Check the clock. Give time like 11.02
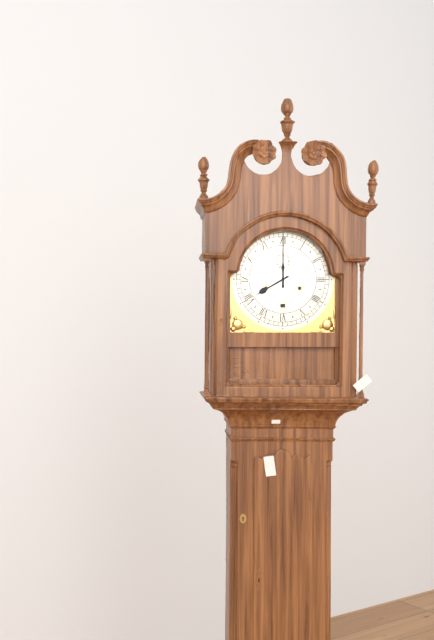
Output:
8.00
